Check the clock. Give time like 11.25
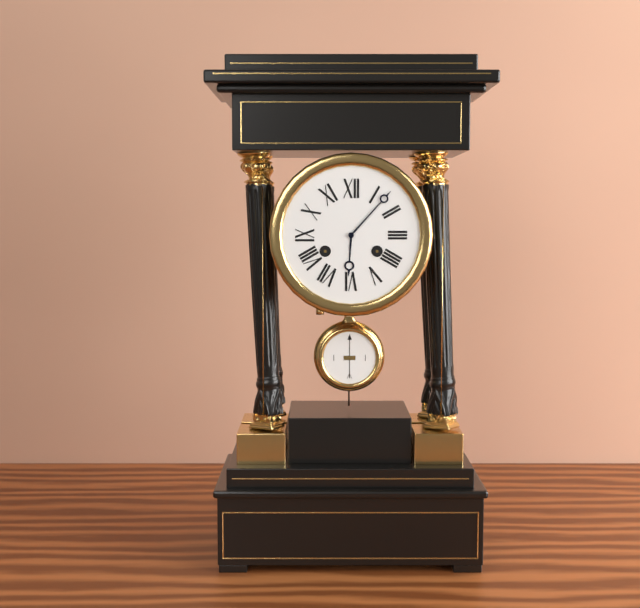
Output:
6.07
